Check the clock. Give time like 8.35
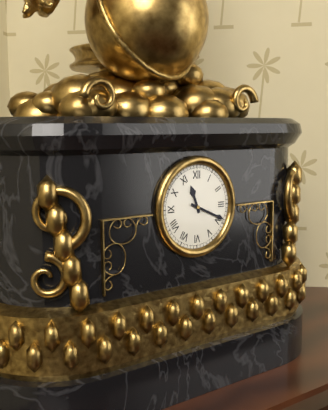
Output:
11.19
